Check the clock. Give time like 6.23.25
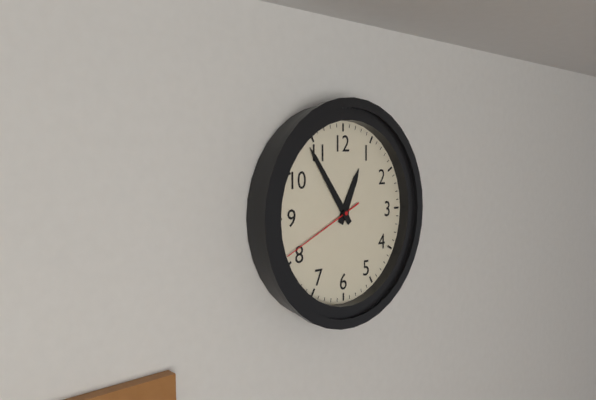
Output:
12.54.41
